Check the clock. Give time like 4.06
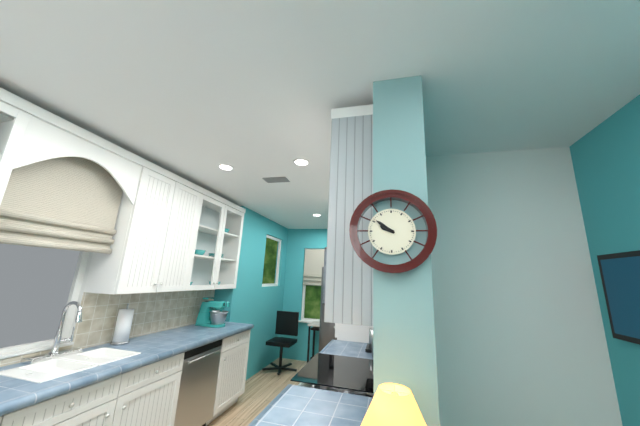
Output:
9.51
